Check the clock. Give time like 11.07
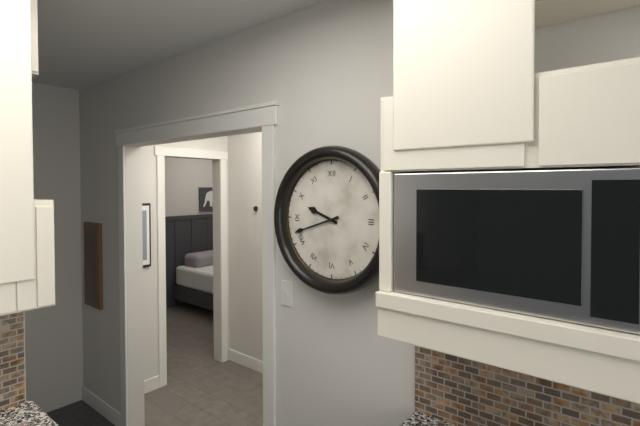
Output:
9.42
